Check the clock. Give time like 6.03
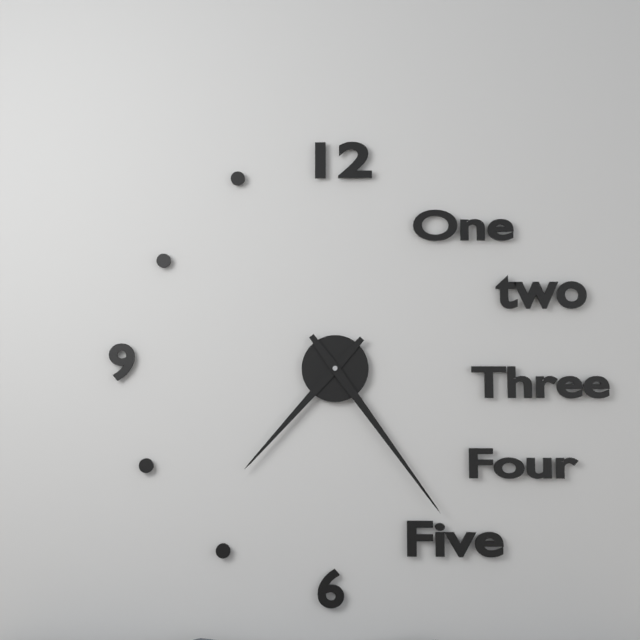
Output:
7.24
